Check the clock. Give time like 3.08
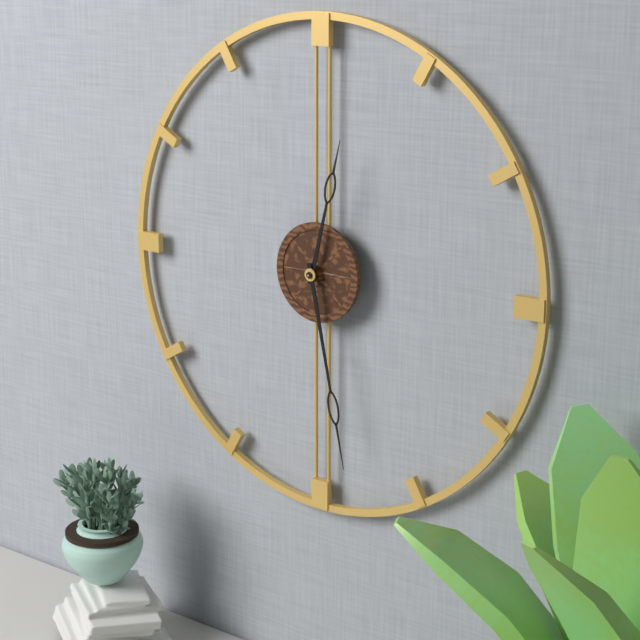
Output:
12.28
